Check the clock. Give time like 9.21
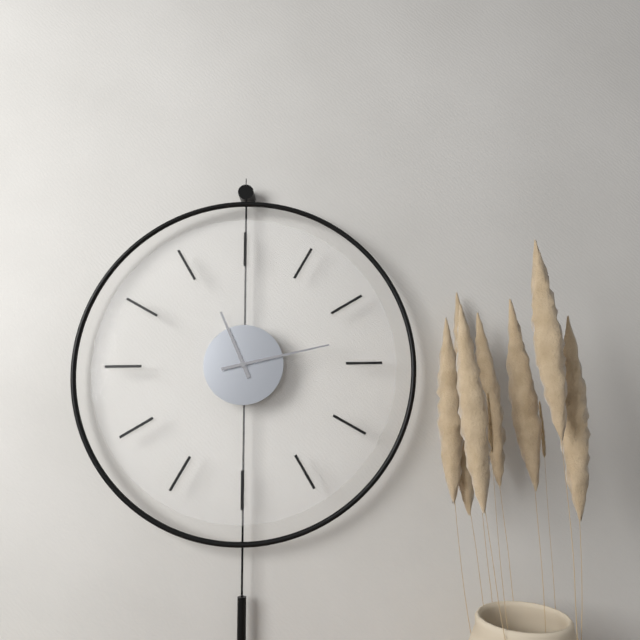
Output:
11.13
